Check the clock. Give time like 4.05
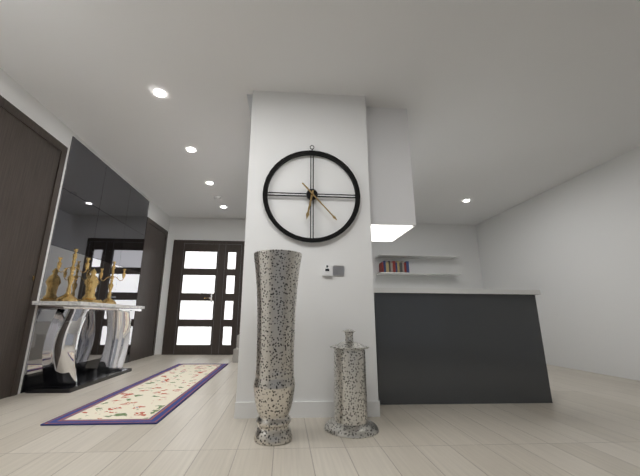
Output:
6.23
